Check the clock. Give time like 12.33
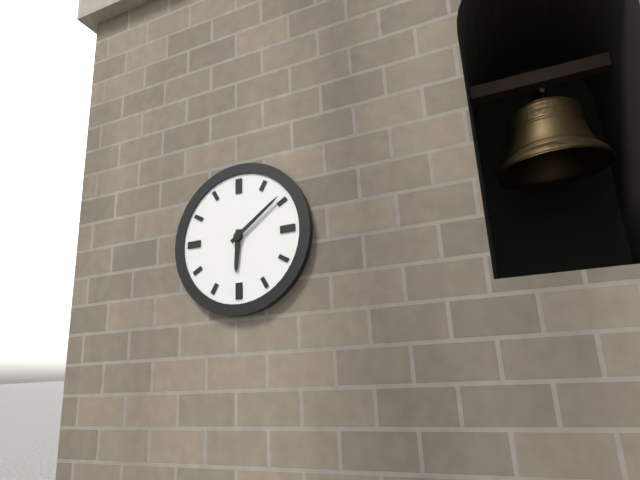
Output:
6.09
